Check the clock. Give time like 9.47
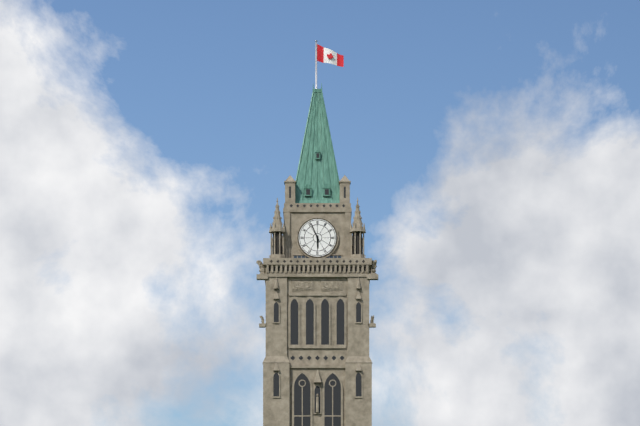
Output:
5.56
